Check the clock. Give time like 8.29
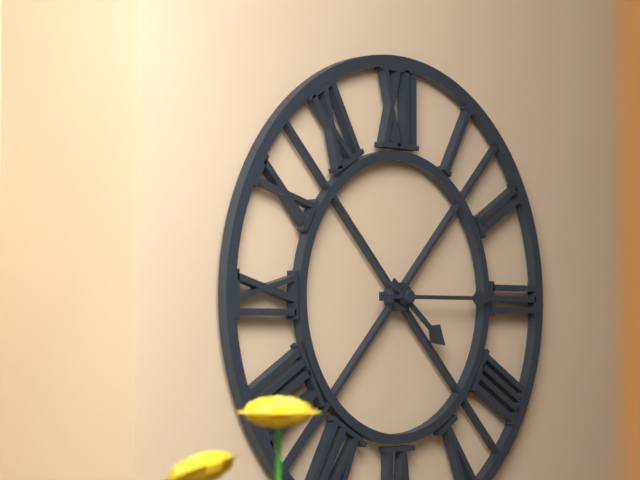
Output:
4.15
